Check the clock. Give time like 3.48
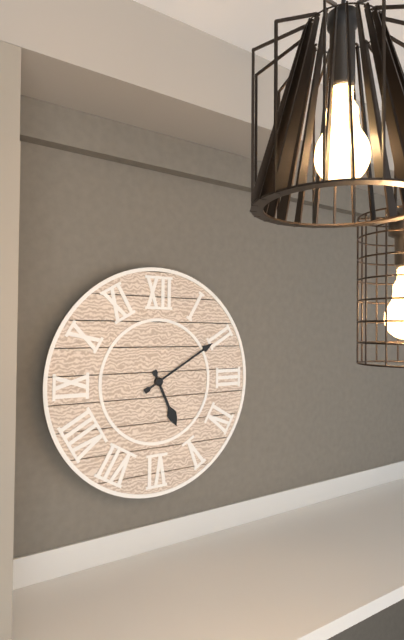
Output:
5.10
